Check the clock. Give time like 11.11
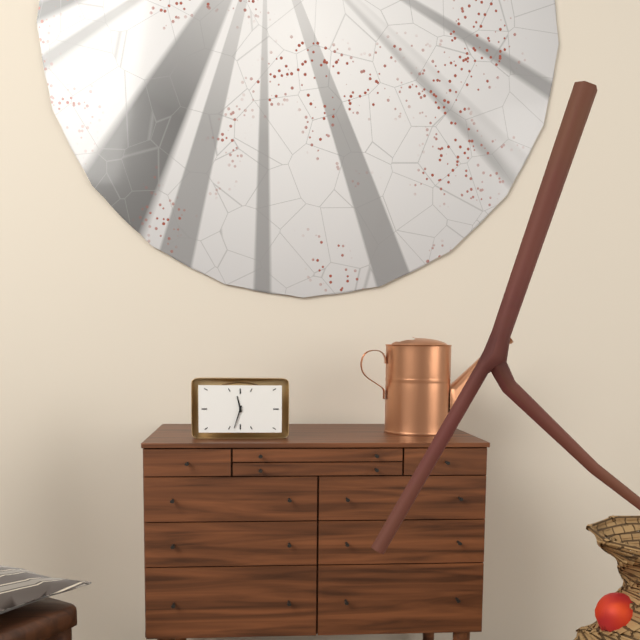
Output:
11.33
